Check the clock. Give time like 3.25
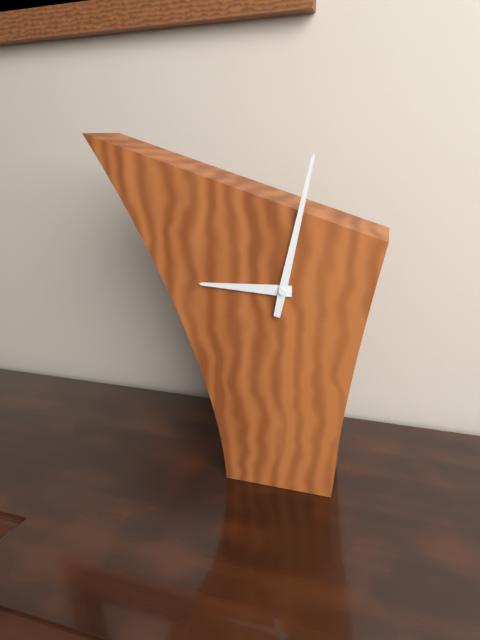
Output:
9.02
